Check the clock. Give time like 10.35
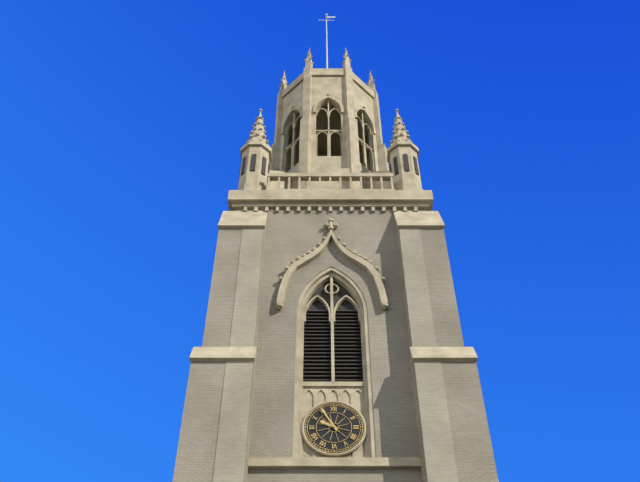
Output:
9.55
